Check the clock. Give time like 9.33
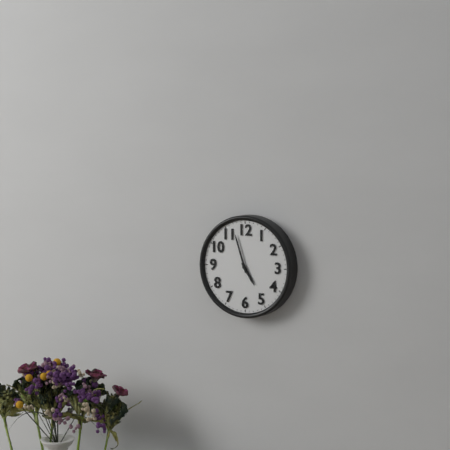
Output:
4.57
